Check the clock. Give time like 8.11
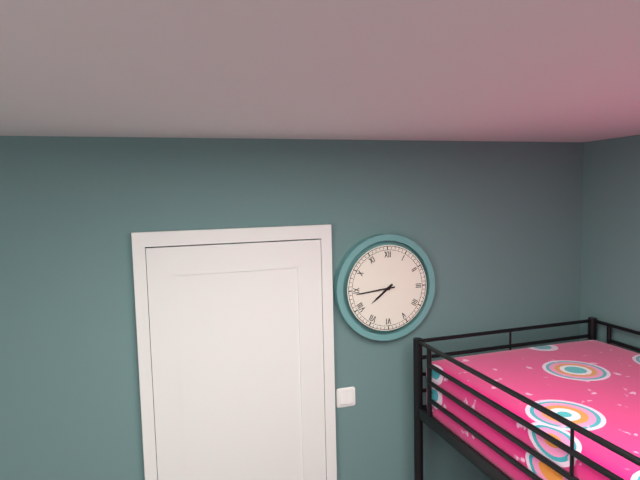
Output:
7.44
